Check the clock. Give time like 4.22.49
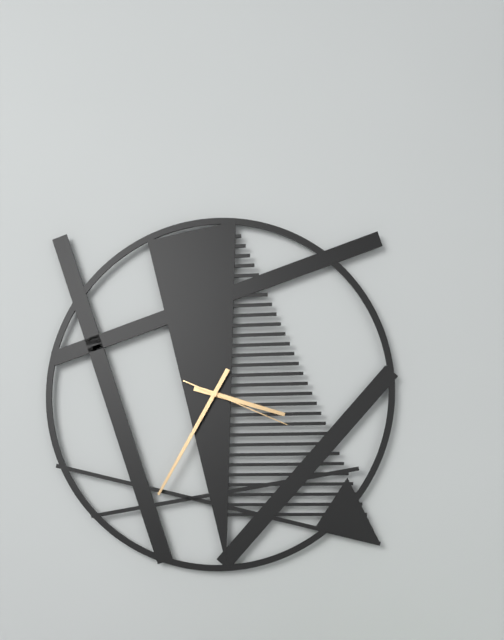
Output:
3.35.19
